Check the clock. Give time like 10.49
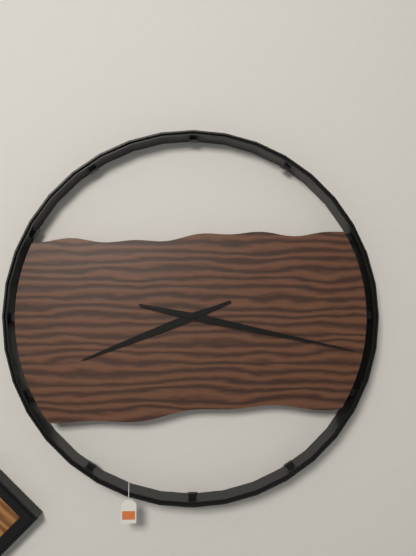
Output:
8.17
